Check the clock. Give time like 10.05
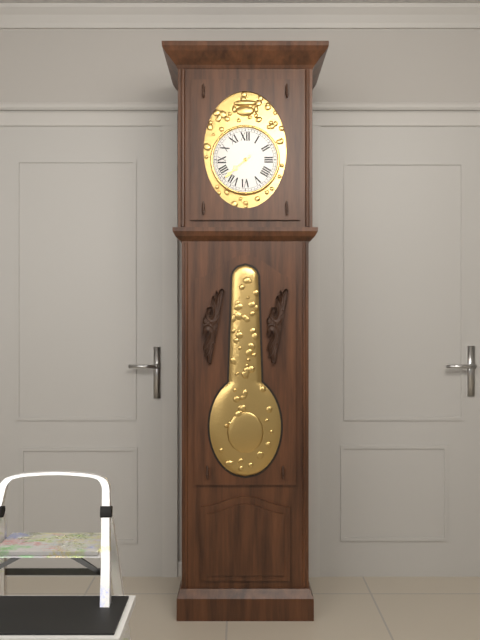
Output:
7.38
